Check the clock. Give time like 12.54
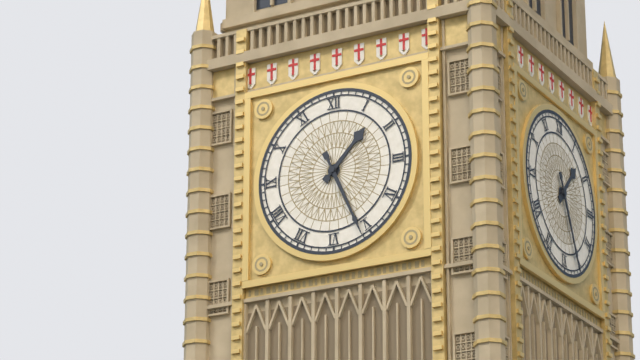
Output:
1.26
